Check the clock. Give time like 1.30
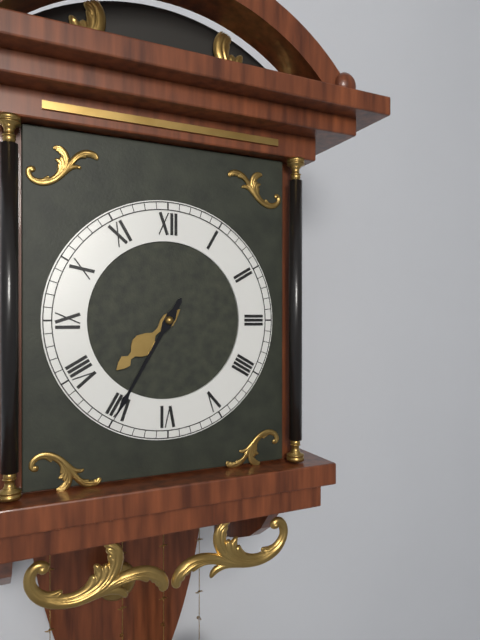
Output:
7.35
